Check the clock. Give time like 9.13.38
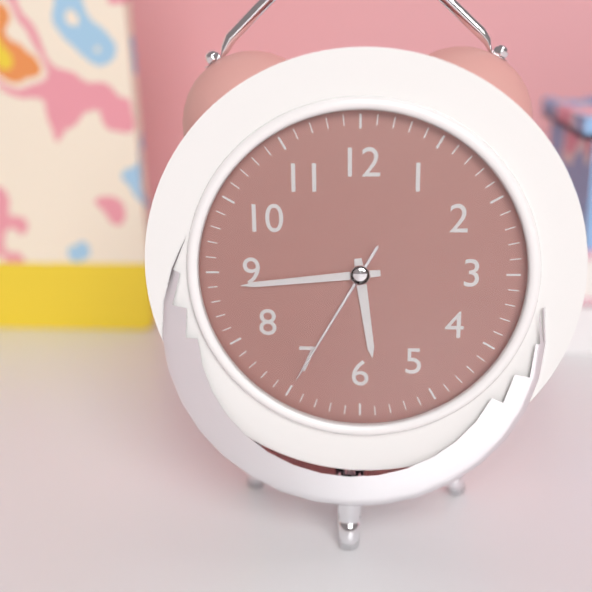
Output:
5.44.35
